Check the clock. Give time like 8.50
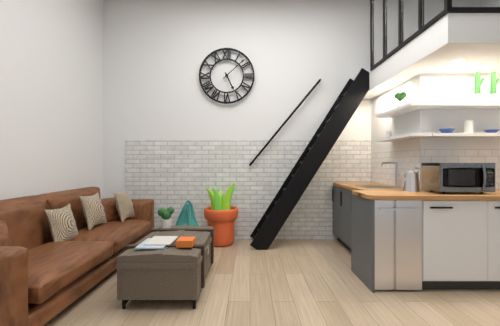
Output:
5.08
